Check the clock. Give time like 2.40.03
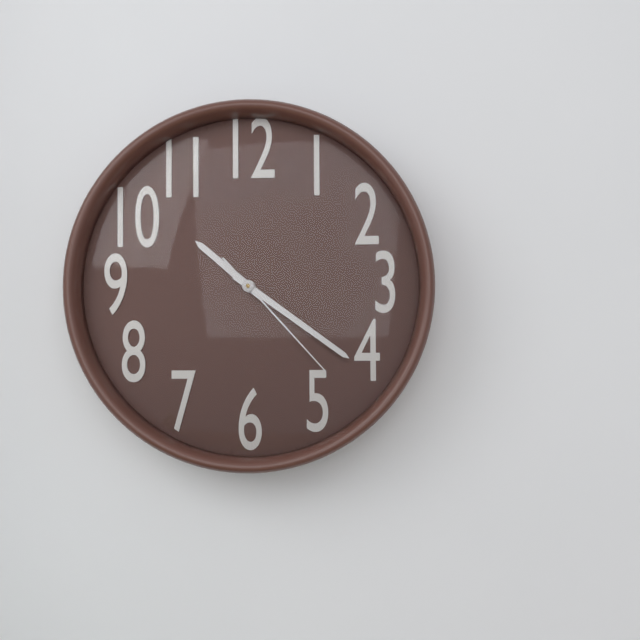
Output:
10.21.23
